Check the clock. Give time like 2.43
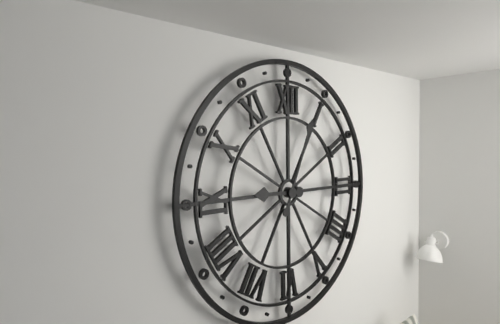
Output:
9.04
